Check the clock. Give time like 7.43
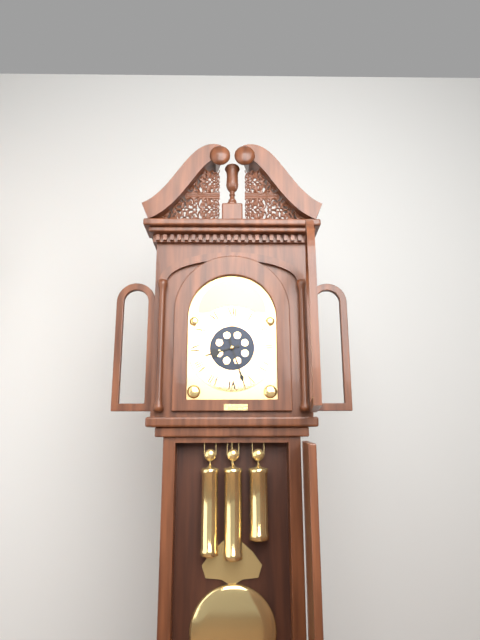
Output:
8.27
